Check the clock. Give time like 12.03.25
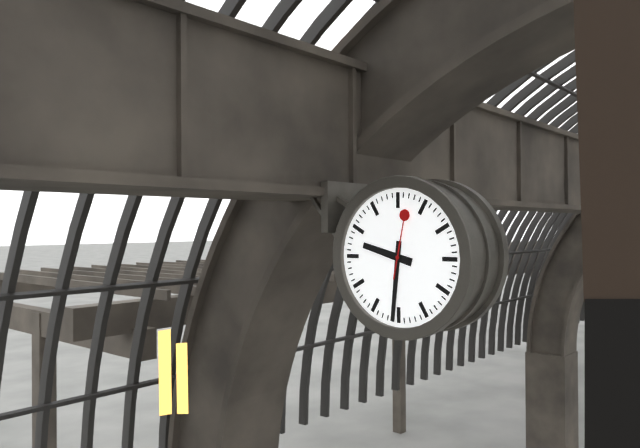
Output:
9.31.02
